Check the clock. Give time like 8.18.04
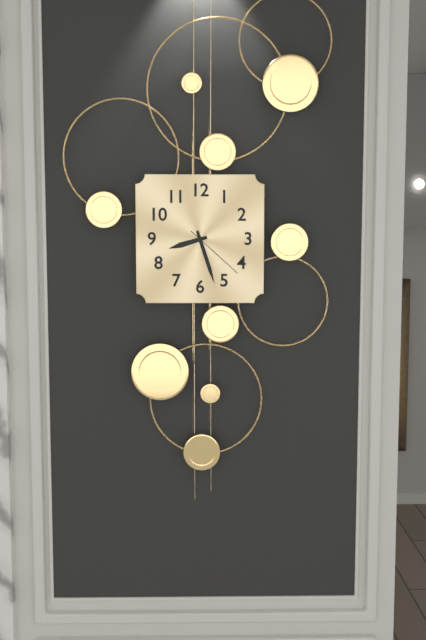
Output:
8.27.22
